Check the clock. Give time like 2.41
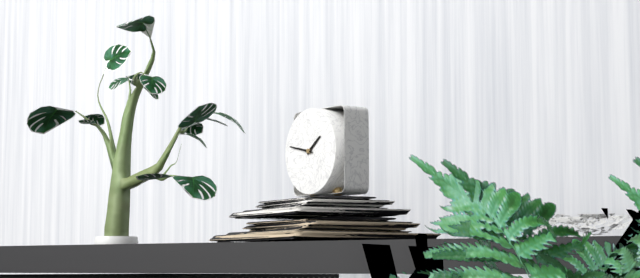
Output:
1.47
